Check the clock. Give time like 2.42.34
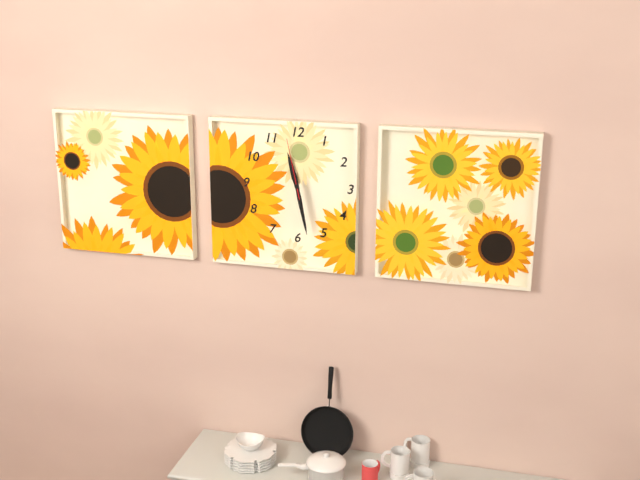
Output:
11.28.58
